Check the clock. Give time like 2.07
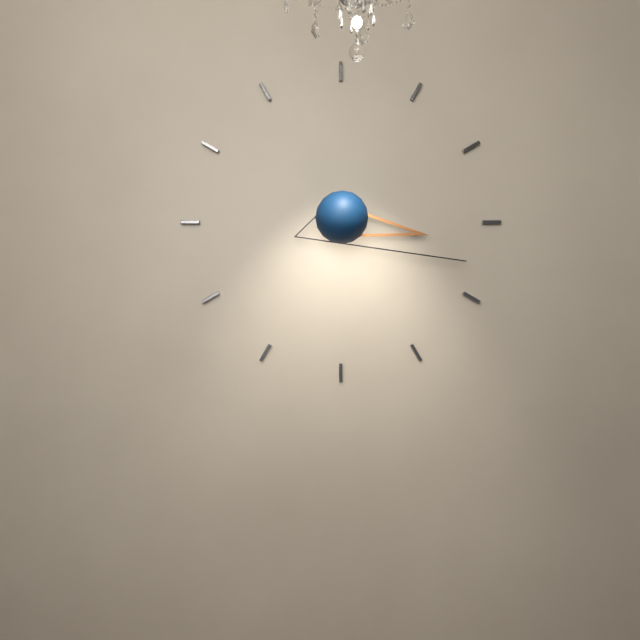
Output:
3.18
